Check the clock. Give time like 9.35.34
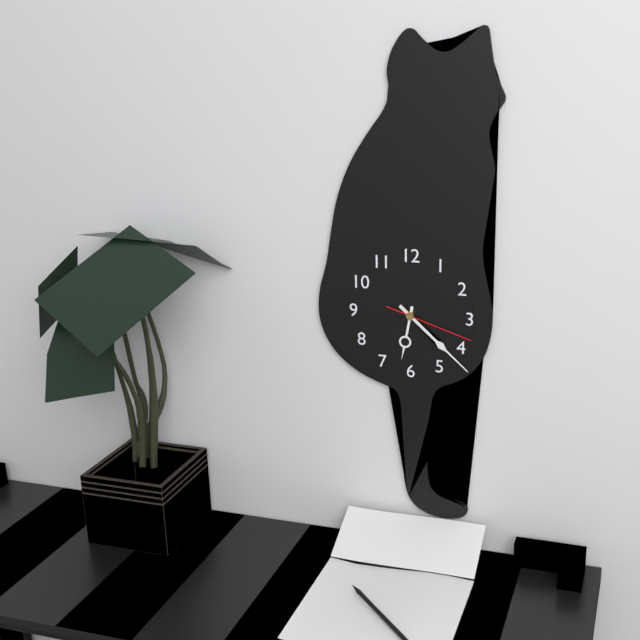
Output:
6.22.18
